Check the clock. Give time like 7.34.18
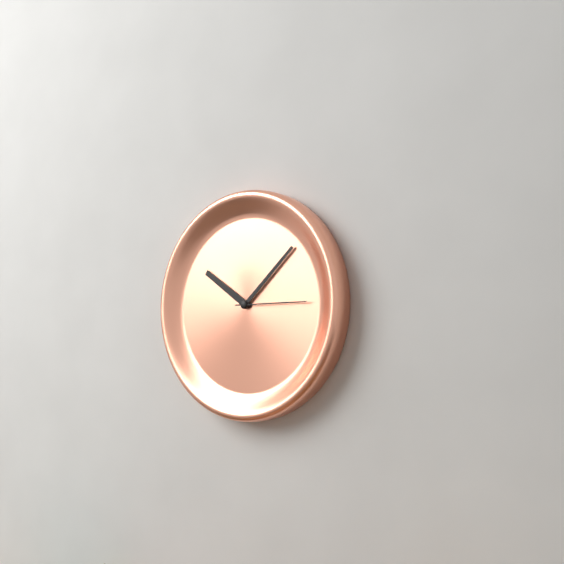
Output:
10.08.15
